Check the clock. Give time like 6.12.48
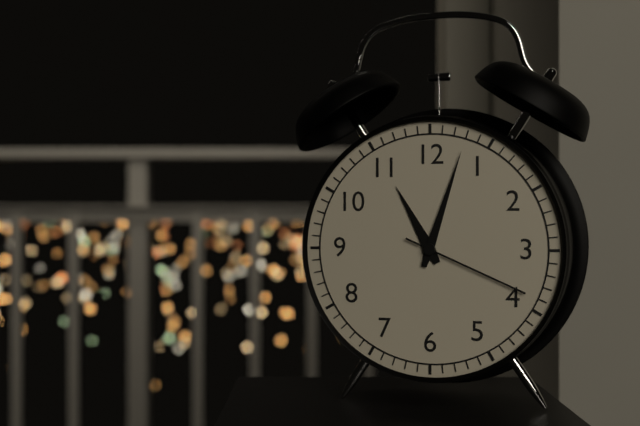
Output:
11.03.19
